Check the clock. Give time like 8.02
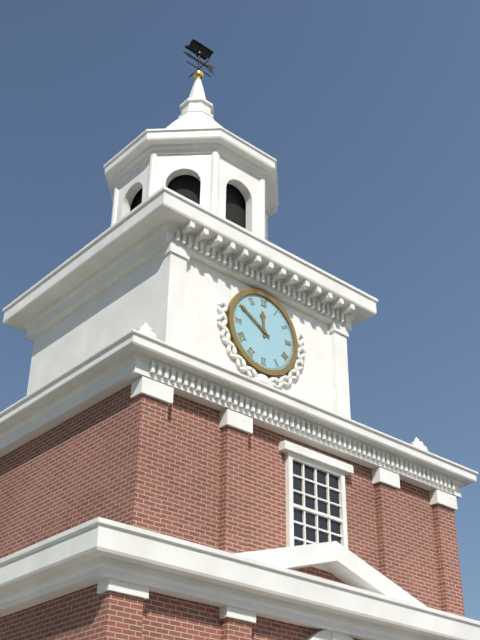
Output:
11.50
